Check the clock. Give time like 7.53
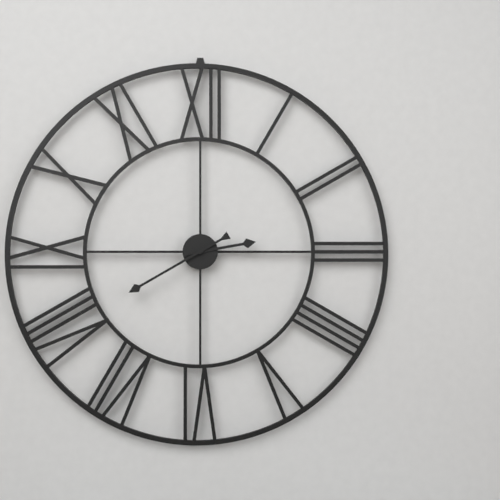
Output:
2.40
